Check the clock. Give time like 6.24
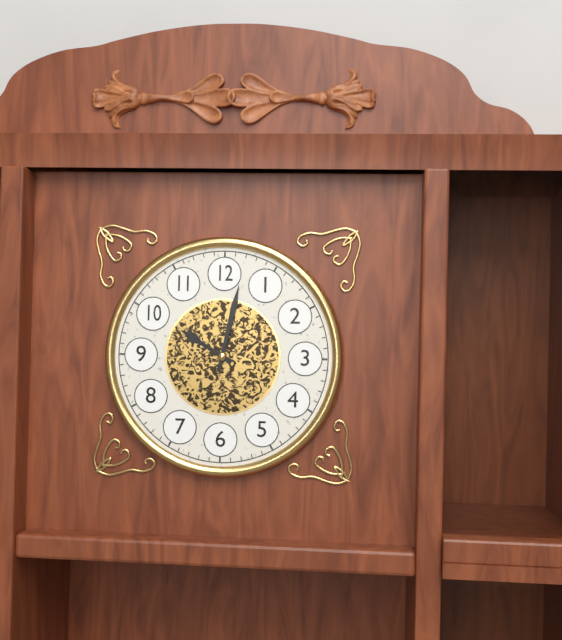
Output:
10.02
